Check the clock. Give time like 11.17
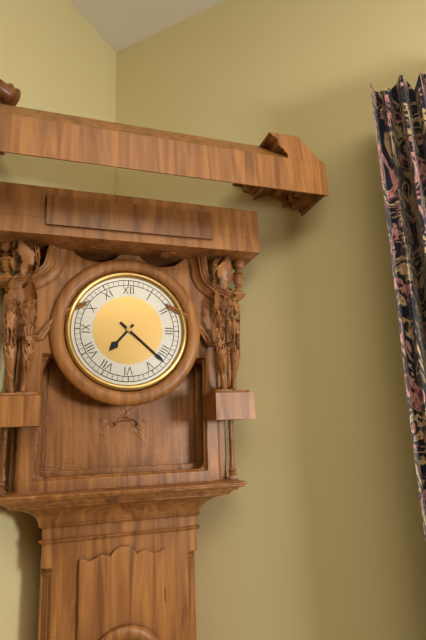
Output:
7.22
